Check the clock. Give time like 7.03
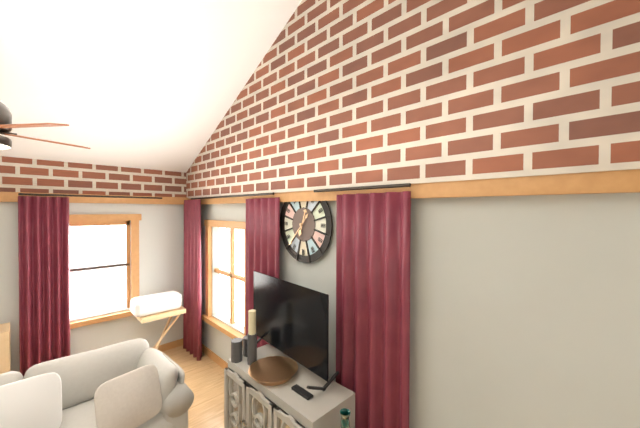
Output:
12.37
